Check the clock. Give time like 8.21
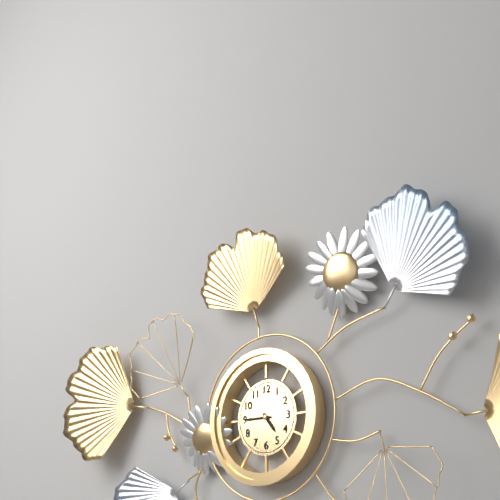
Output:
4.45
